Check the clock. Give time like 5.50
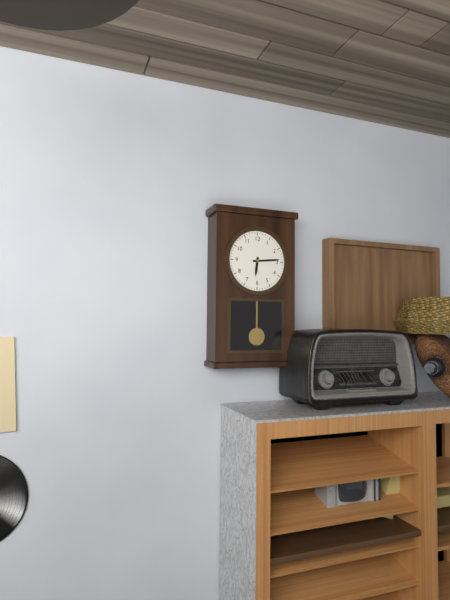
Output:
6.14
